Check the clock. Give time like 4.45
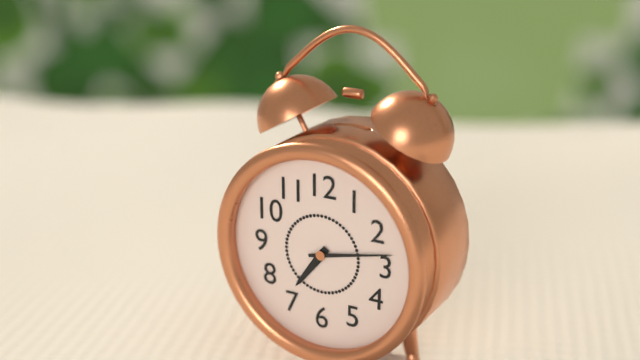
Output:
7.13
